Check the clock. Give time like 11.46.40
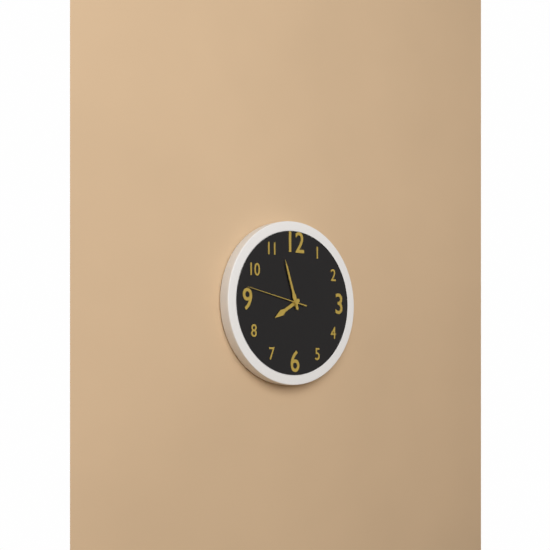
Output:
7.57.47
